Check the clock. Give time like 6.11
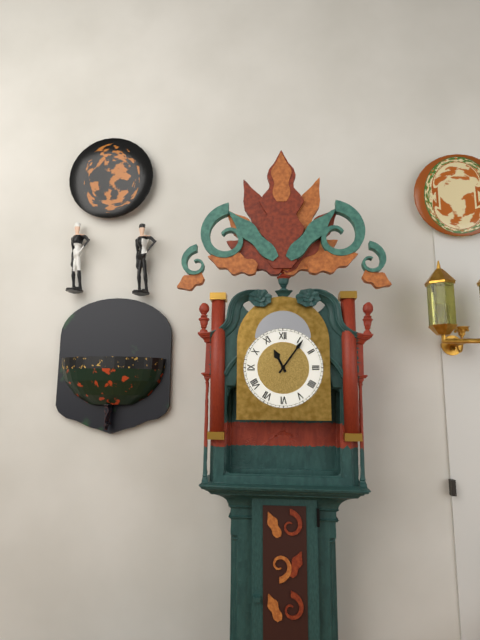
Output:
11.06
